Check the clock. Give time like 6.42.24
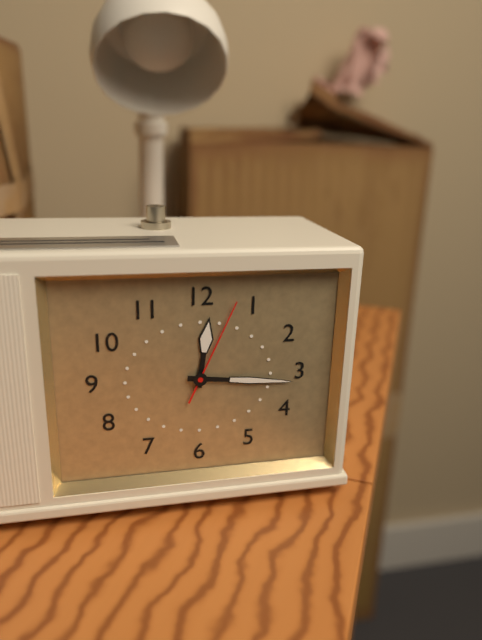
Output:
12.16.04
